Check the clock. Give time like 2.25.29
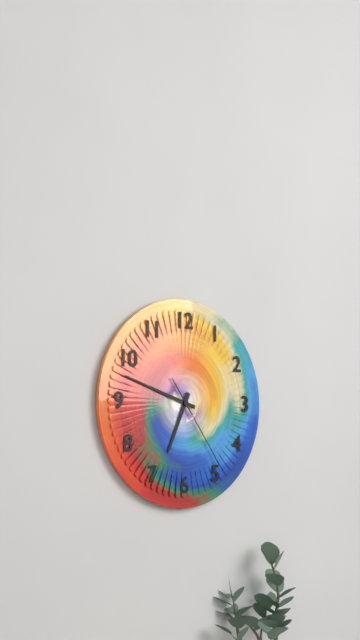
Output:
6.48.24
